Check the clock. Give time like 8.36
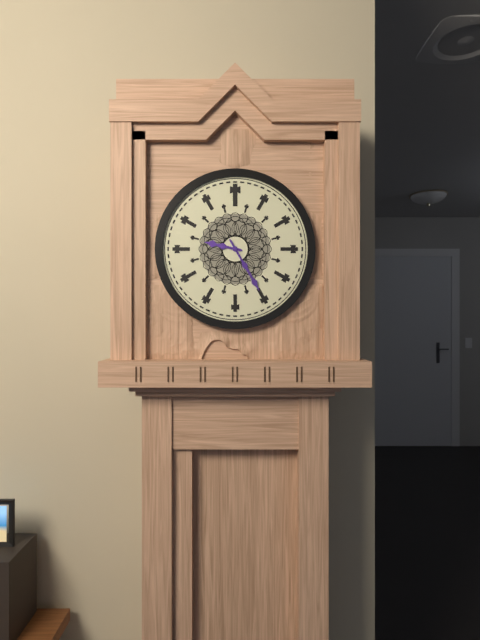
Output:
9.25
